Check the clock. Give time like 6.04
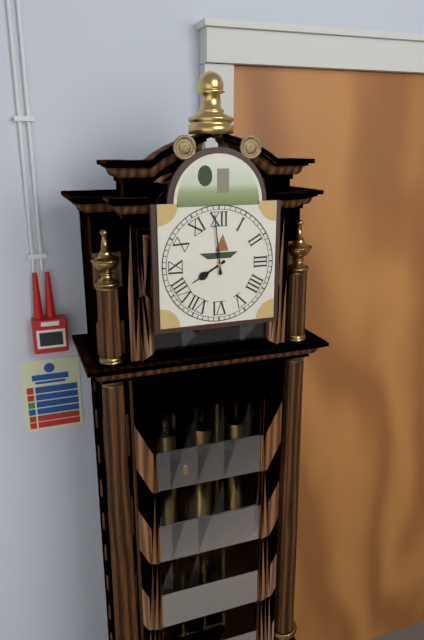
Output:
7.59
